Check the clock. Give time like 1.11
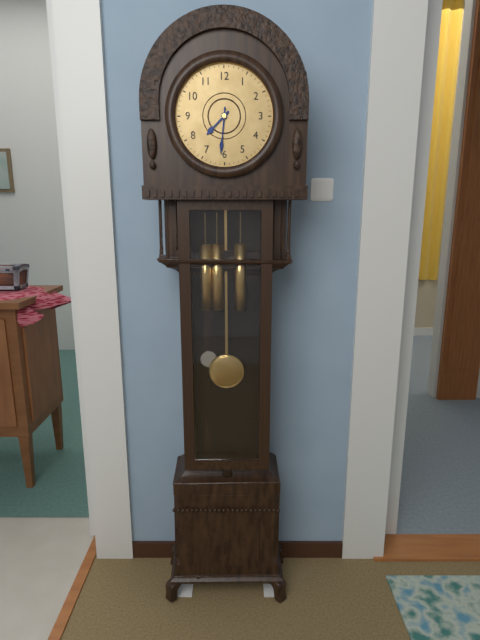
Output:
7.31
